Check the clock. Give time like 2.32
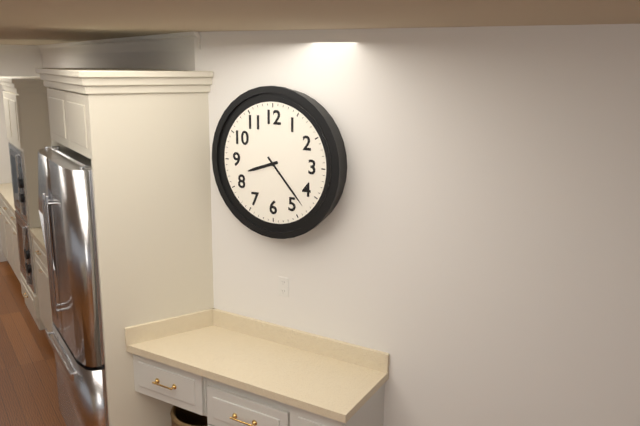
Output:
8.23
